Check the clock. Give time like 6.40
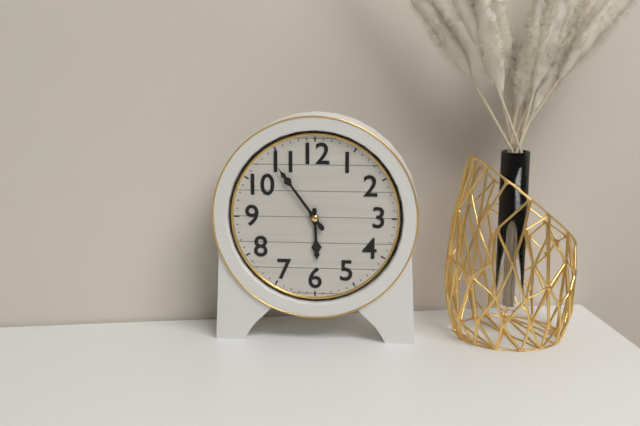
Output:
5.54
